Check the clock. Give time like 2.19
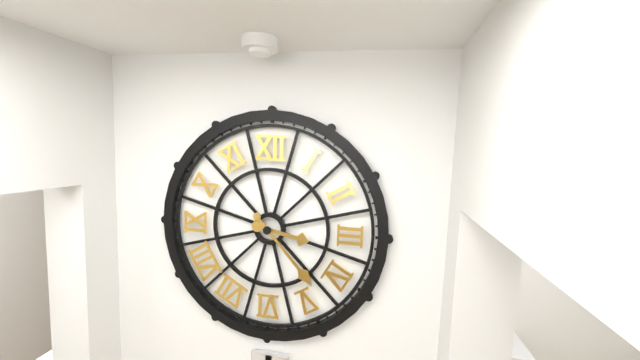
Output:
3.23
